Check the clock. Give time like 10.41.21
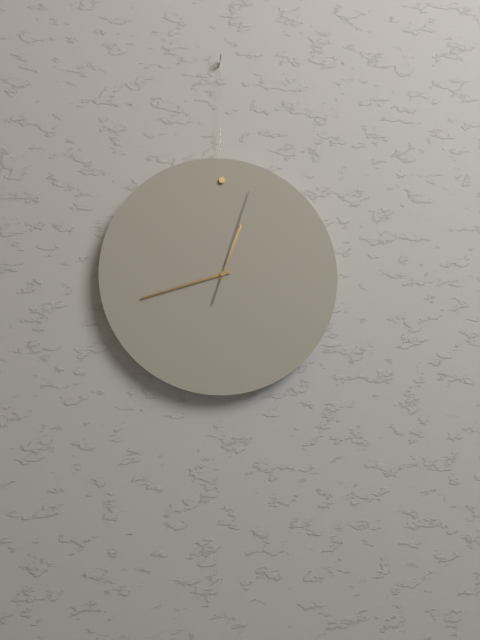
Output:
12.42.03
